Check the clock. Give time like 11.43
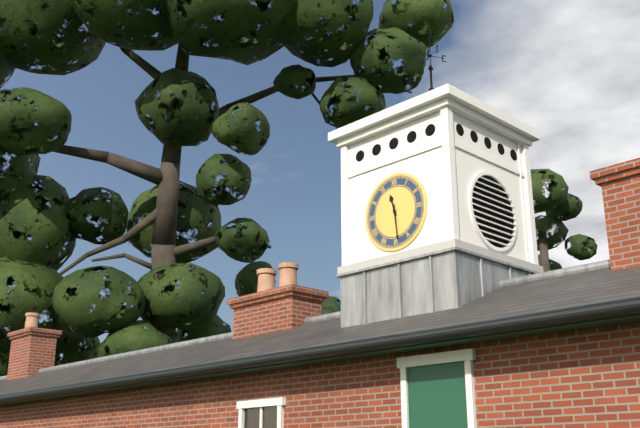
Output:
11.29
